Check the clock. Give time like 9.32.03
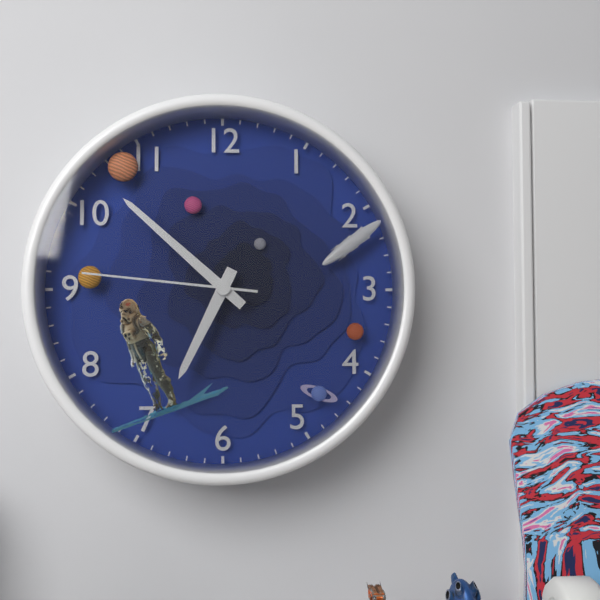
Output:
6.52.46
